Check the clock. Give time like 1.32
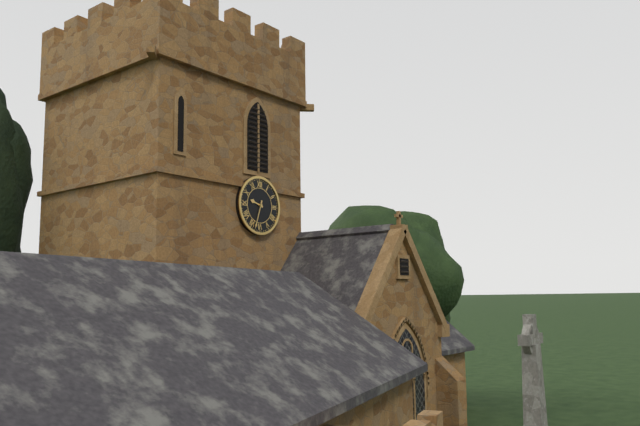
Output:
9.33
